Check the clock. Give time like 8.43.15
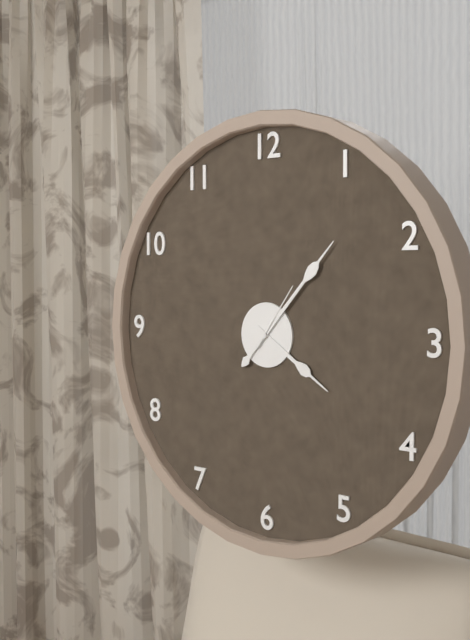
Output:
4.07.06
